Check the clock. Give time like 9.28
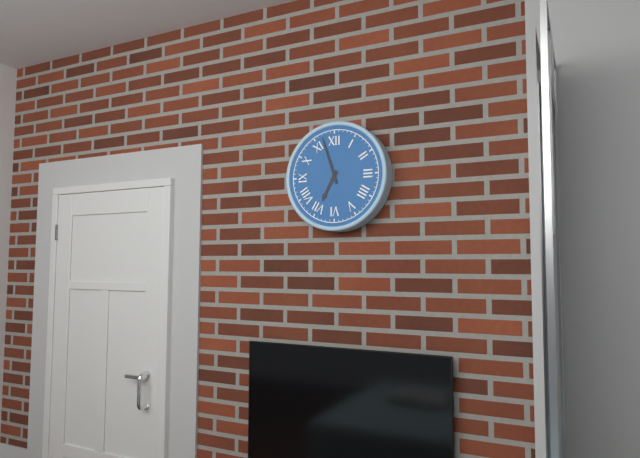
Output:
6.57
